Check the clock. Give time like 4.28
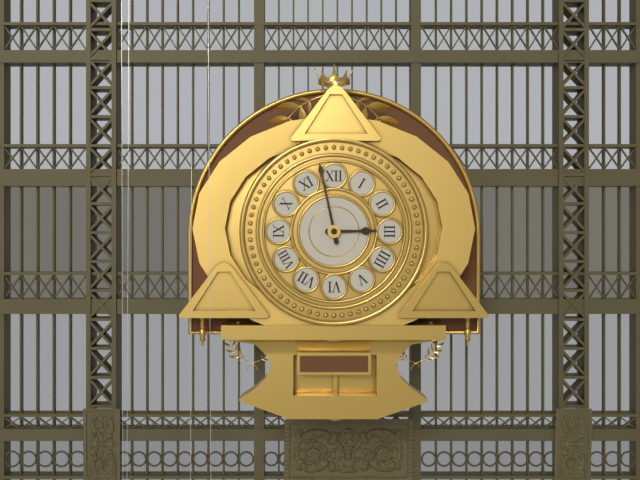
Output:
2.58
